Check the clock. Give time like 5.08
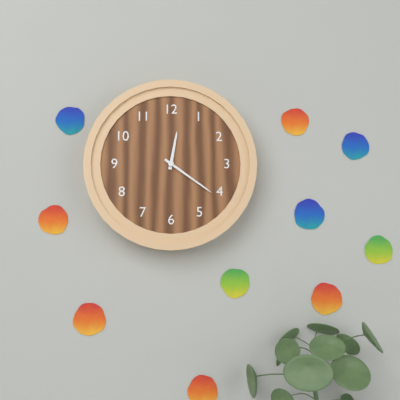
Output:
12.21
